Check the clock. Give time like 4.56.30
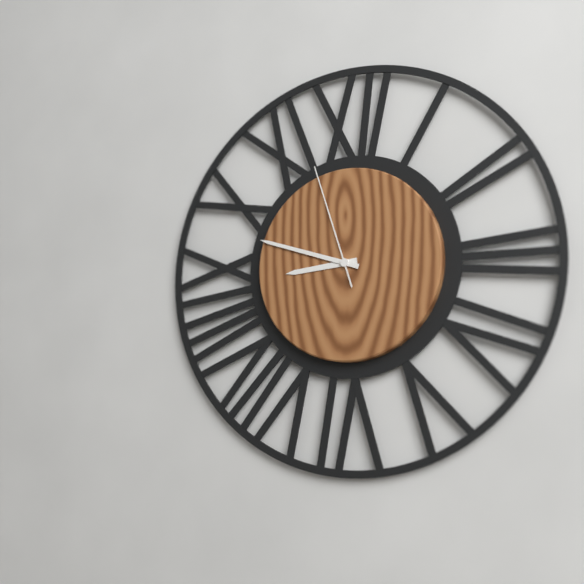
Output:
8.48.57
